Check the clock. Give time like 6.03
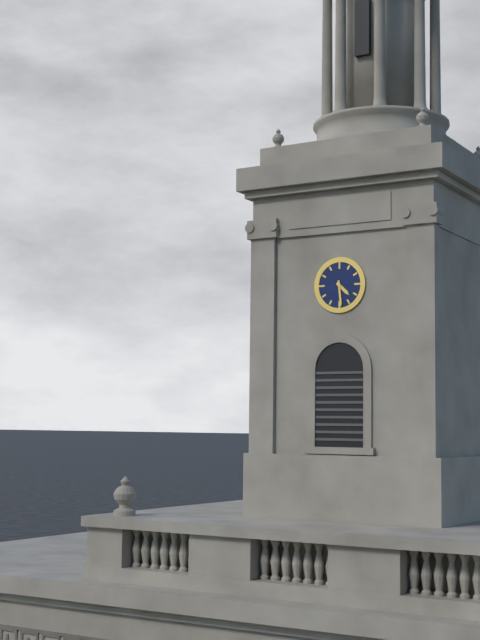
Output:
4.29
